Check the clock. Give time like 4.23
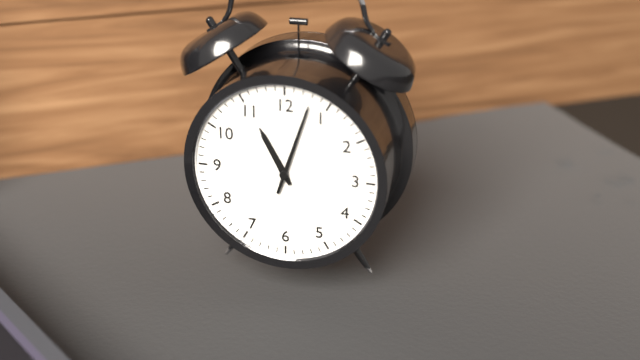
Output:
11.03
